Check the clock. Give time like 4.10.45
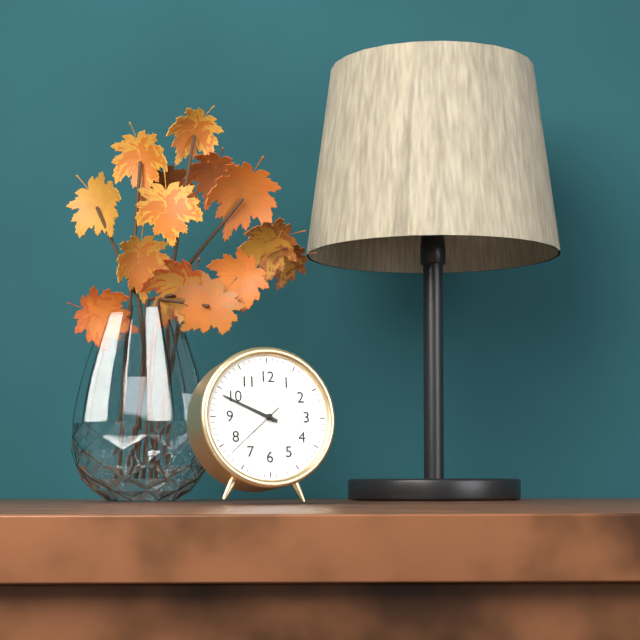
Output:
9.49.38
